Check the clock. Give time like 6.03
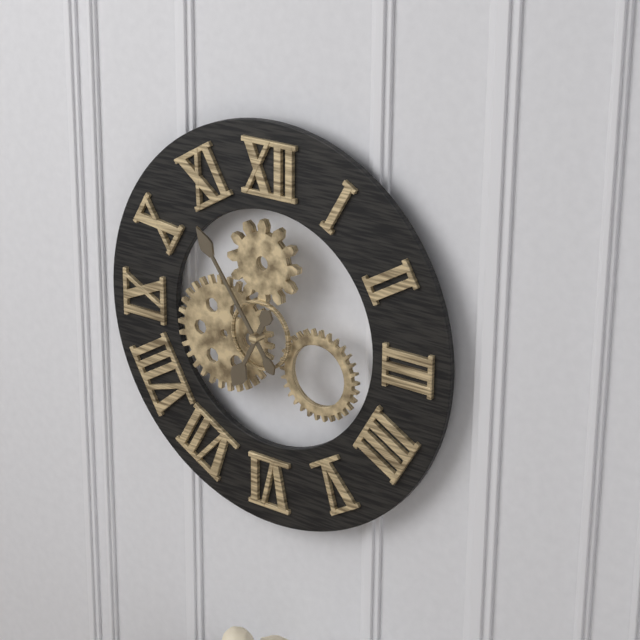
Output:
6.54
